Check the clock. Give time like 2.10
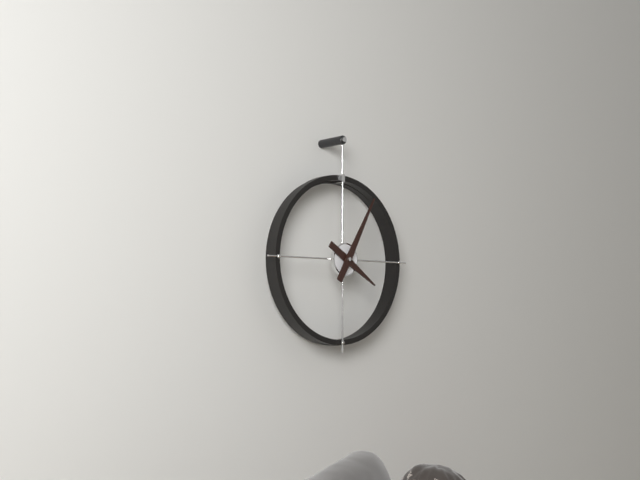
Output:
4.05
